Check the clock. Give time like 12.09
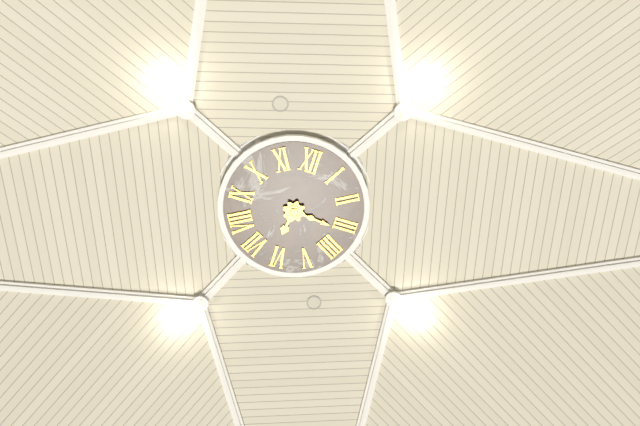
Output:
6.16
